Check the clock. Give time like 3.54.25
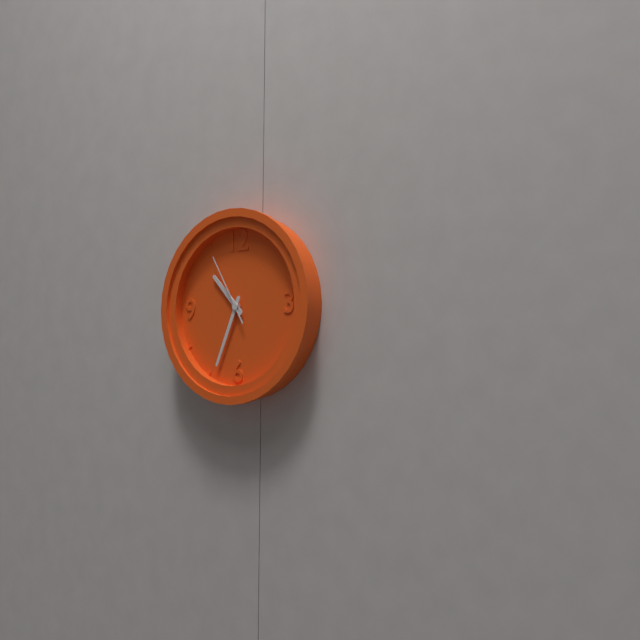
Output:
10.34.55
